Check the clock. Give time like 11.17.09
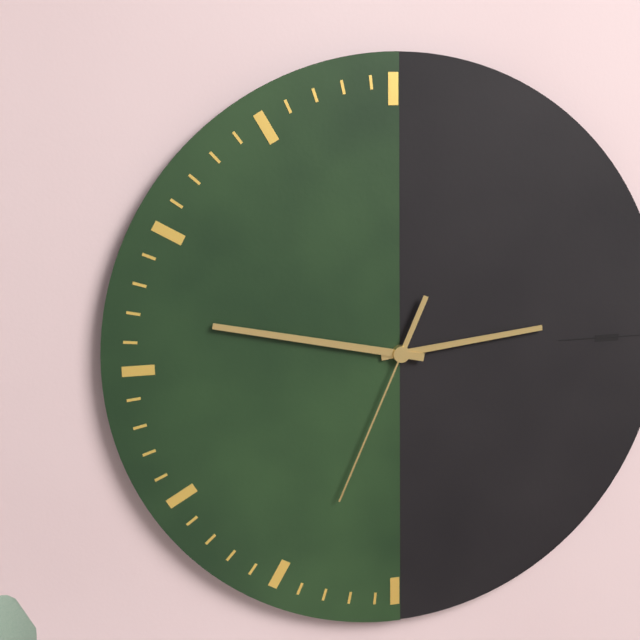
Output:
2.47.34
